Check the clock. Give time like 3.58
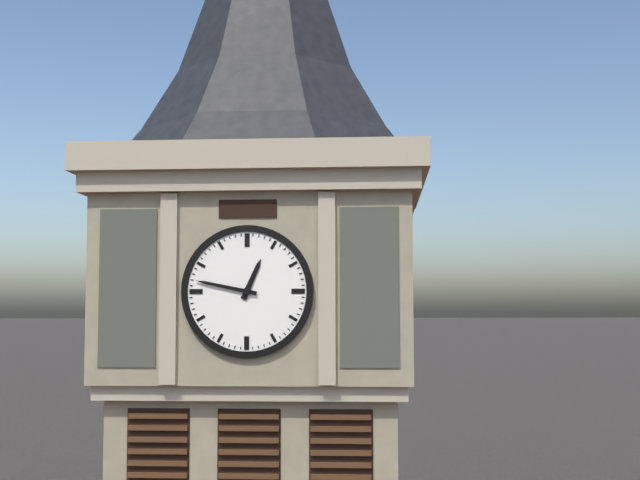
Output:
12.47
